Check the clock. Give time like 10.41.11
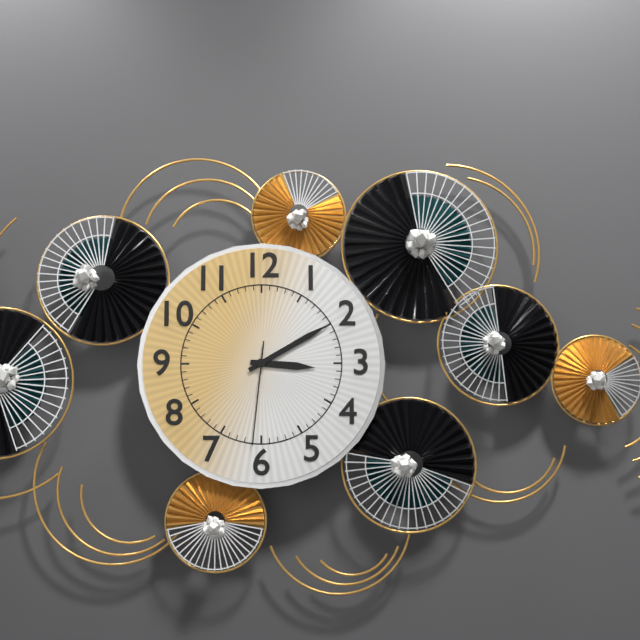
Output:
3.10.31
